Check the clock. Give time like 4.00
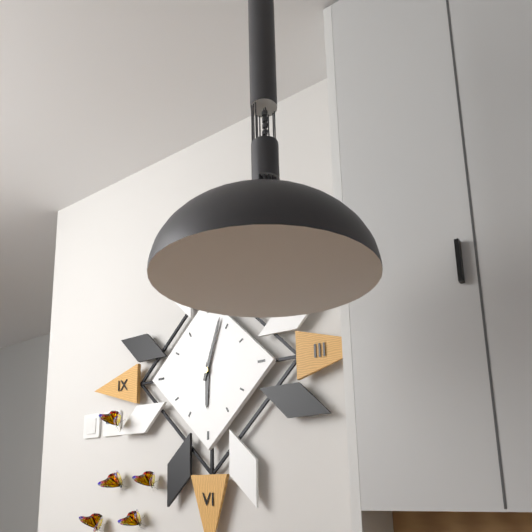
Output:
6.03
